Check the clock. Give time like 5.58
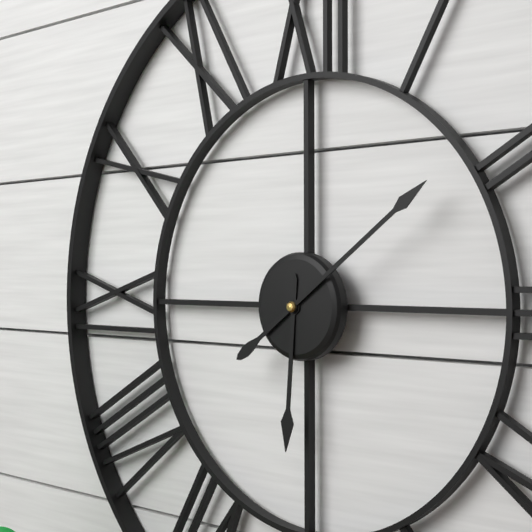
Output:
6.09
